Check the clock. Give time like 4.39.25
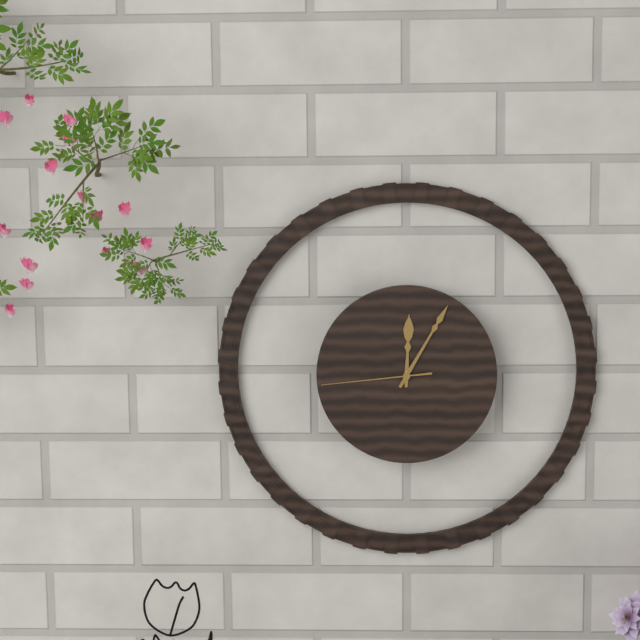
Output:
12.05.44
